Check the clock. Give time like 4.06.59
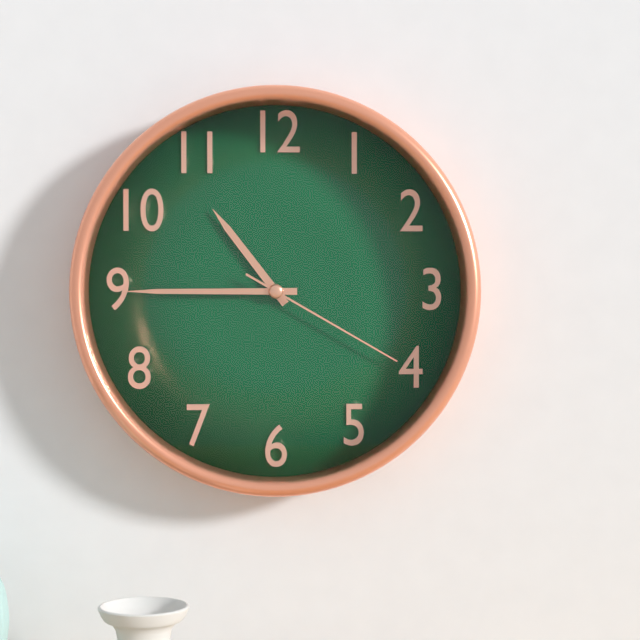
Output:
10.45.20
